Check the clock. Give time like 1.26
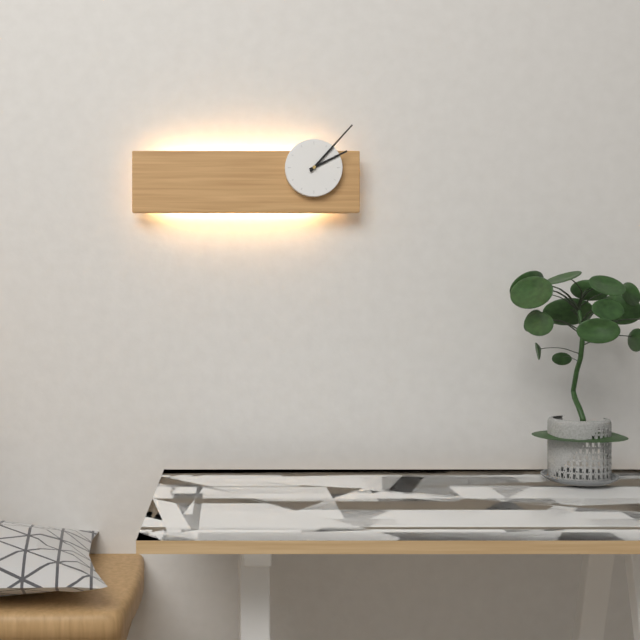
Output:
2.07
